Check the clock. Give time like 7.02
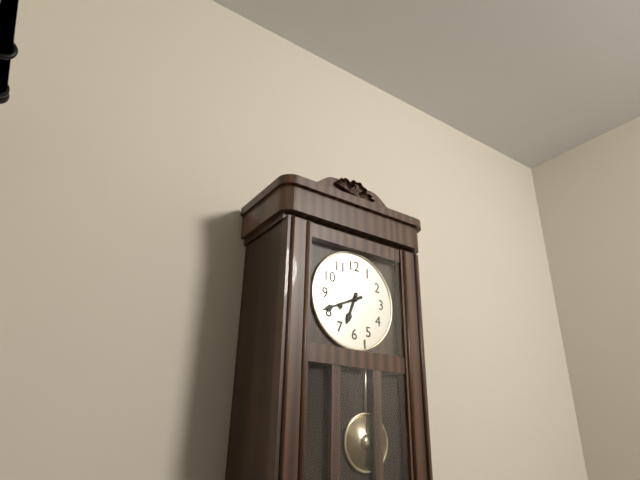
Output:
6.41
